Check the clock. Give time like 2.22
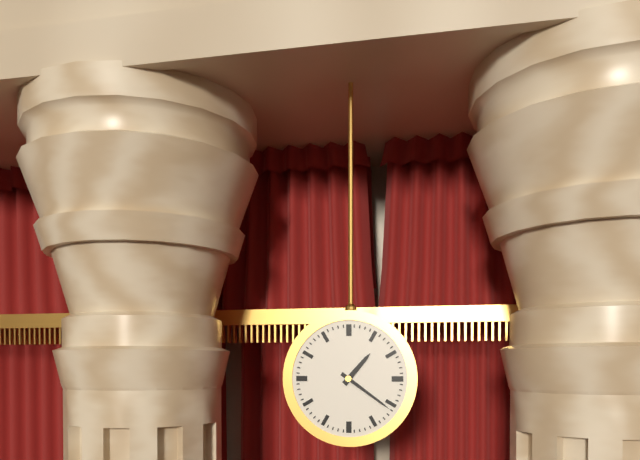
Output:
1.21
